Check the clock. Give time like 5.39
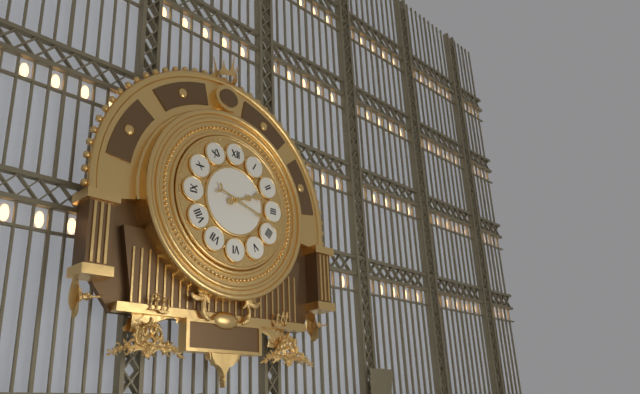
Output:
2.18
